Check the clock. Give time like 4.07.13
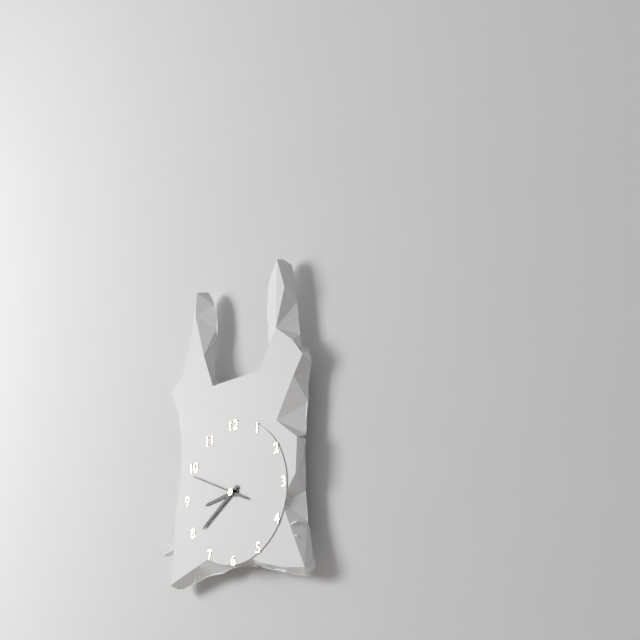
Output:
8.39.49
